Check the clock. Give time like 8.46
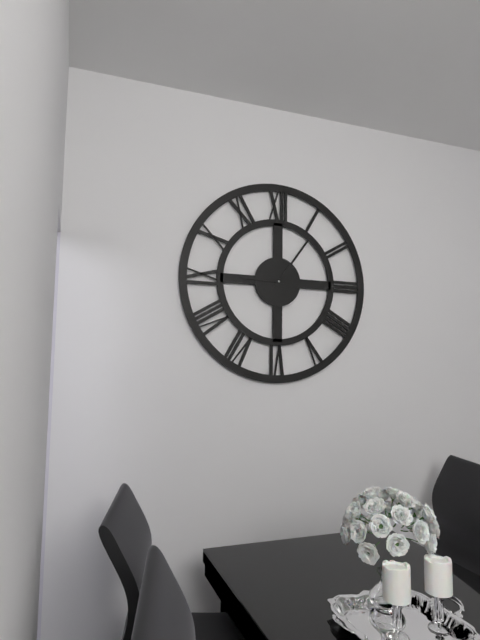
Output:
9.06
